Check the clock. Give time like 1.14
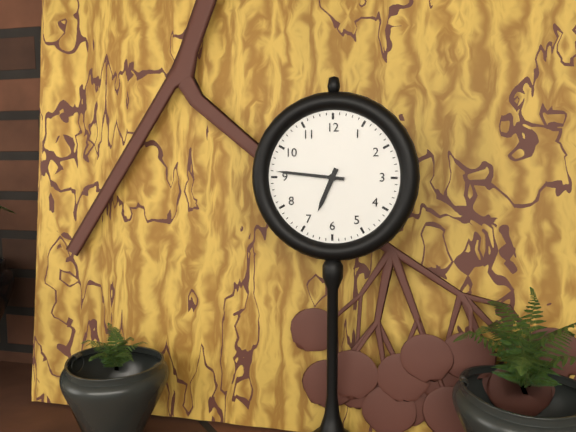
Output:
6.46
